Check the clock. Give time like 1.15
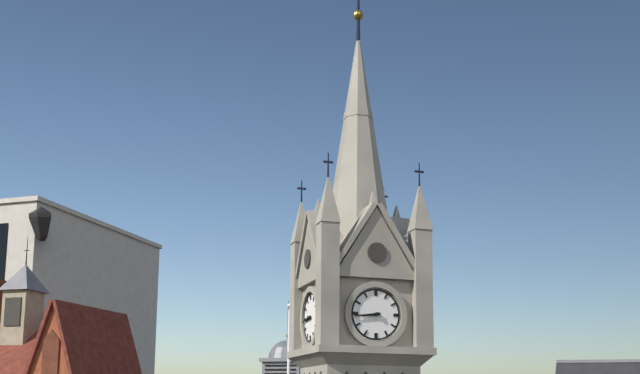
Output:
8.44
